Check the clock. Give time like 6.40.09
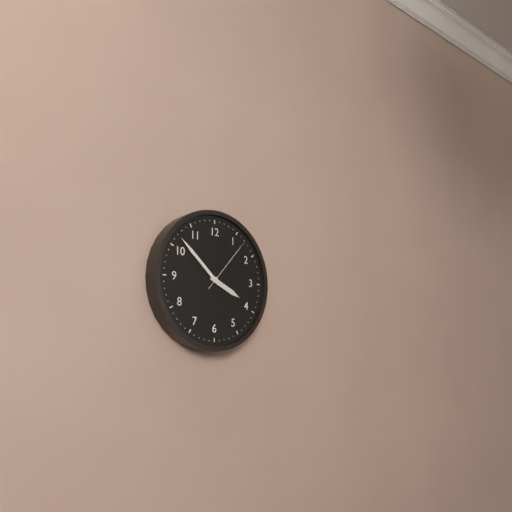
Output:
3.52.07
